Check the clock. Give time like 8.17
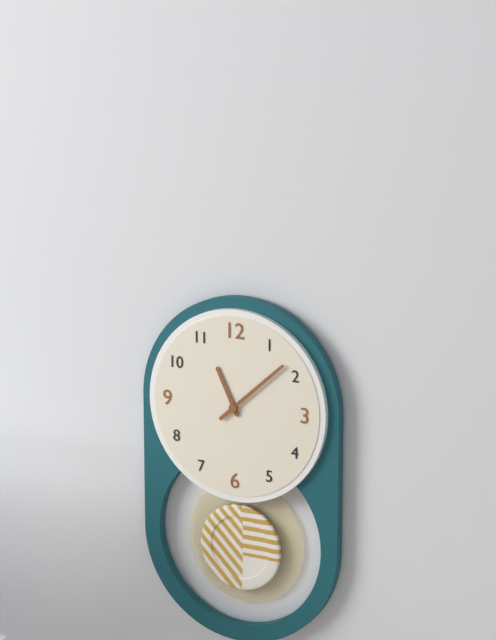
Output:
11.08
